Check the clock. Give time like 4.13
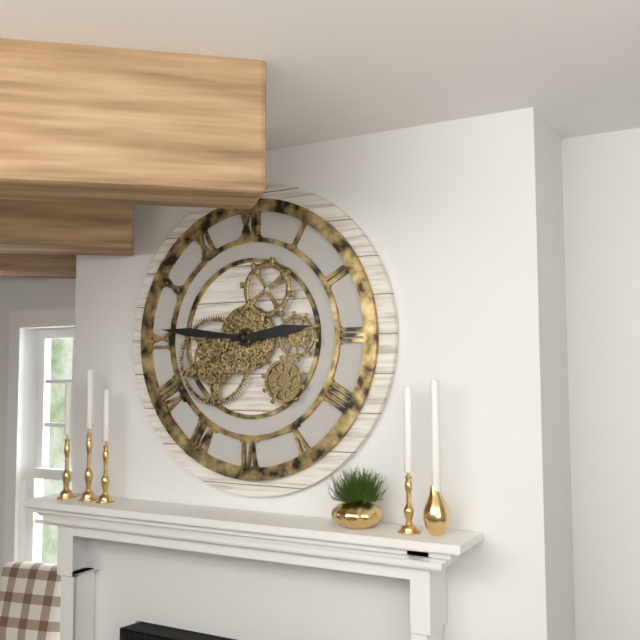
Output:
2.46
